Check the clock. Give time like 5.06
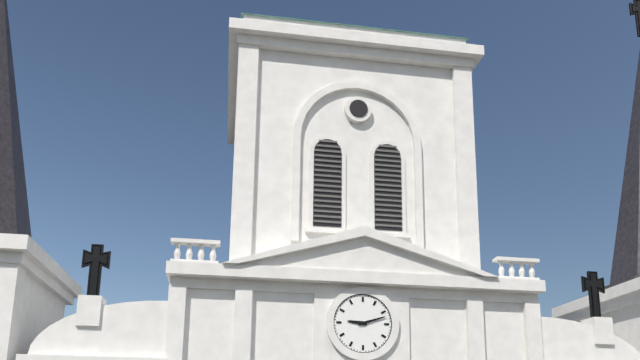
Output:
9.12
